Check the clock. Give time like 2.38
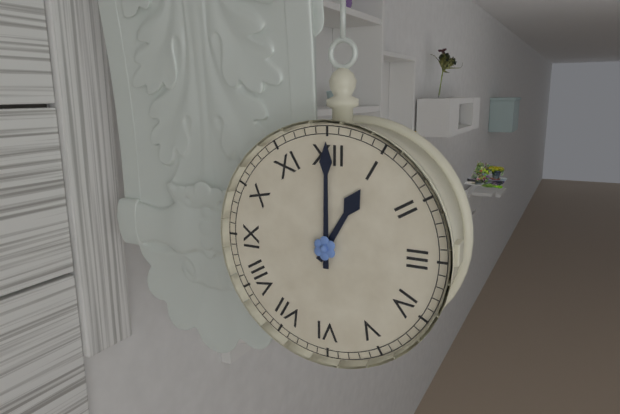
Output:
1.00
